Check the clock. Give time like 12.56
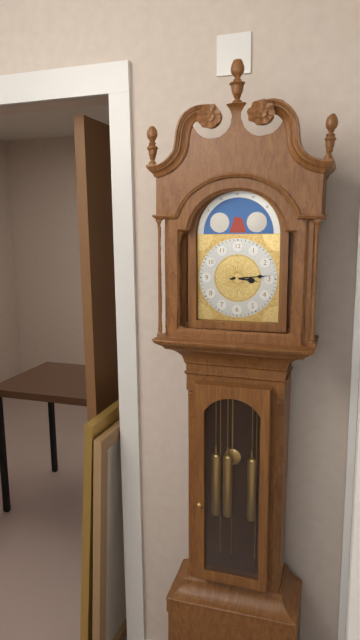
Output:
3.14
